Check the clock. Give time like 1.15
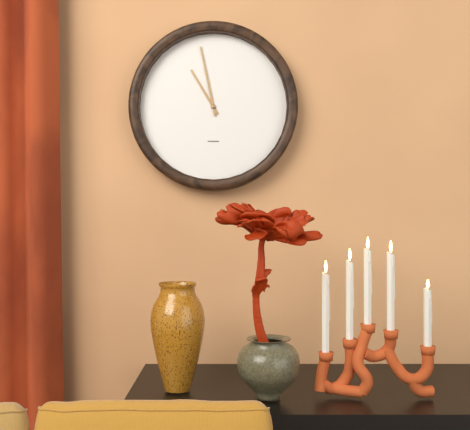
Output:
10.58
